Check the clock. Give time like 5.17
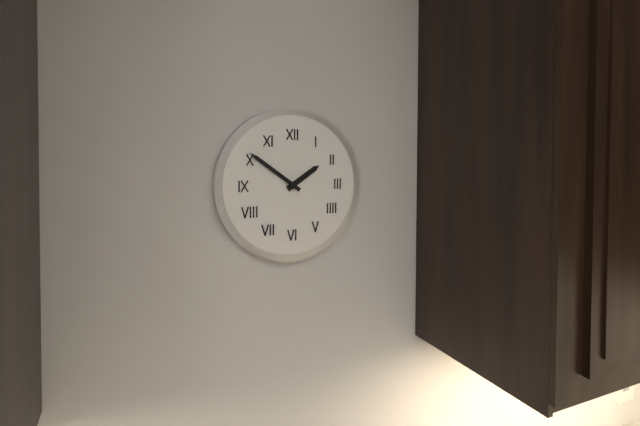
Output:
1.51
